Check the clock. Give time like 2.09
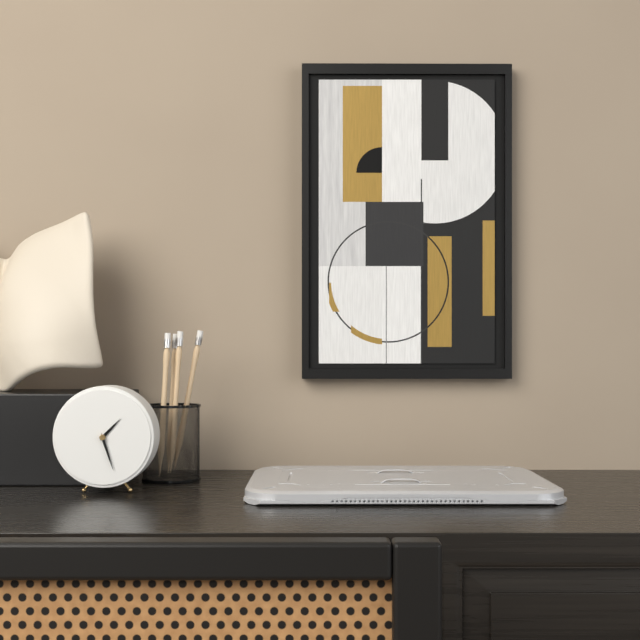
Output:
1.27
